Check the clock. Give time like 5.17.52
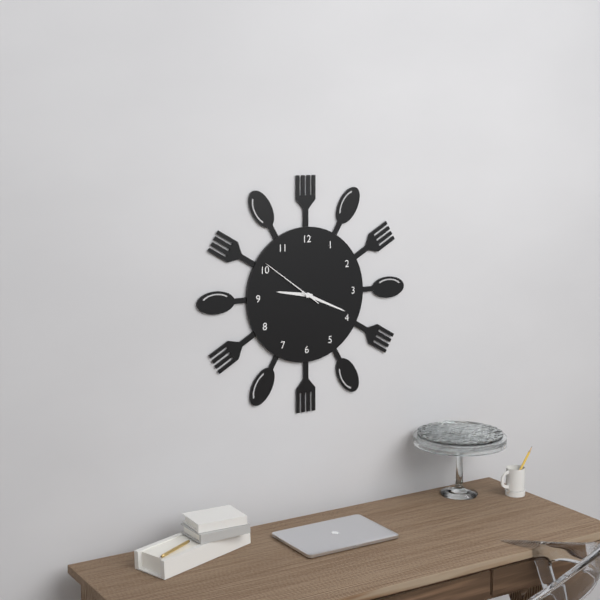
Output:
9.19.51
